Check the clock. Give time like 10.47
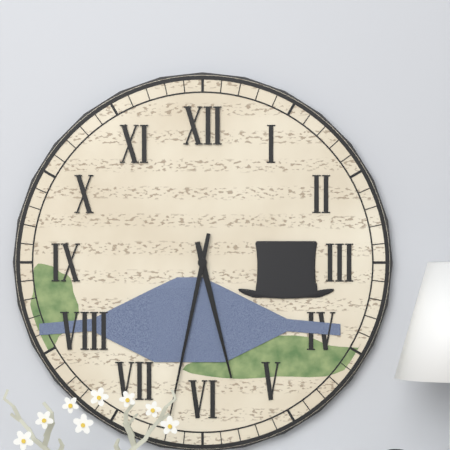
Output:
5.32
